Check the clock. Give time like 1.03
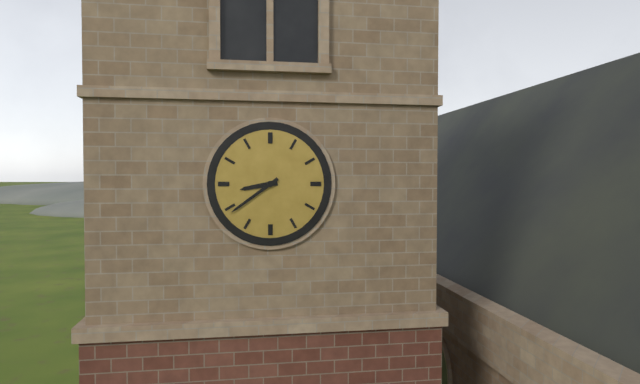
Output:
8.39
